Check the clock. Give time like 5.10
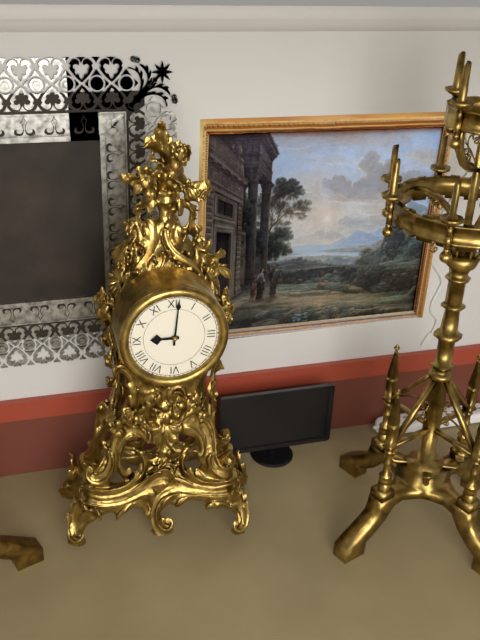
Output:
9.01
